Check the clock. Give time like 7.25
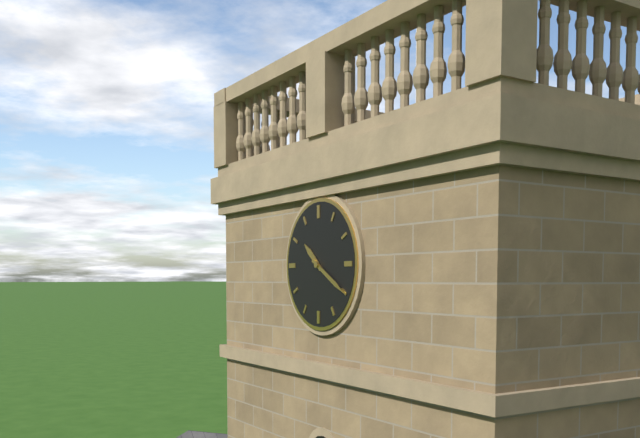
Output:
10.20
